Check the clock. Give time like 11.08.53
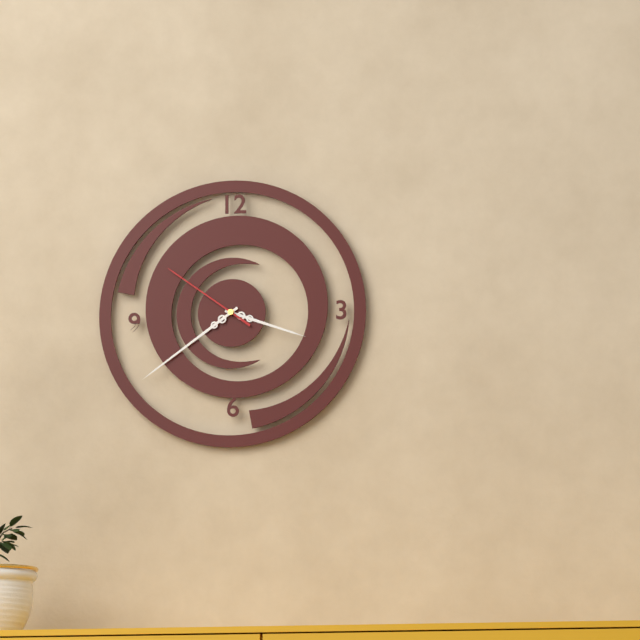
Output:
3.39.51
